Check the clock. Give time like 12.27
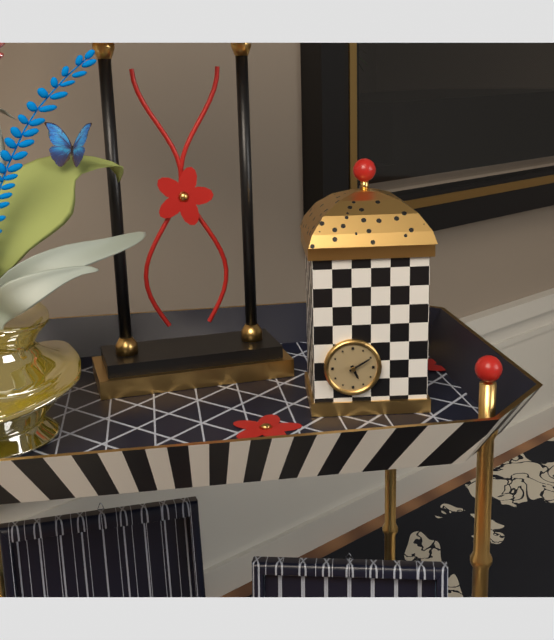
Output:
5.10
